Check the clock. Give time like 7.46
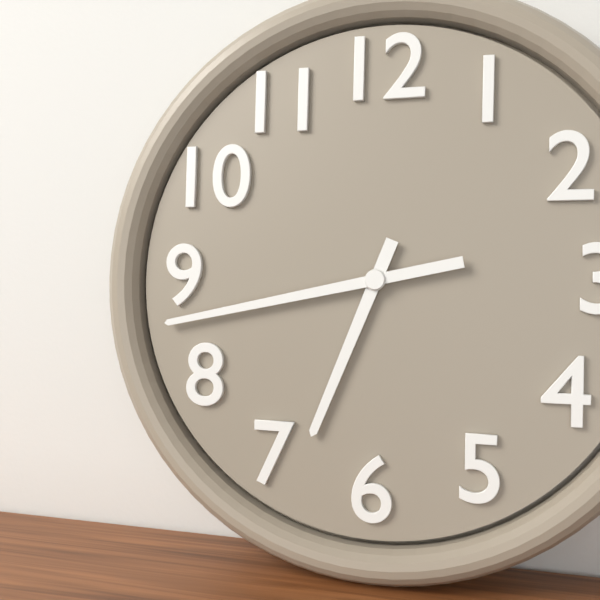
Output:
6.43
